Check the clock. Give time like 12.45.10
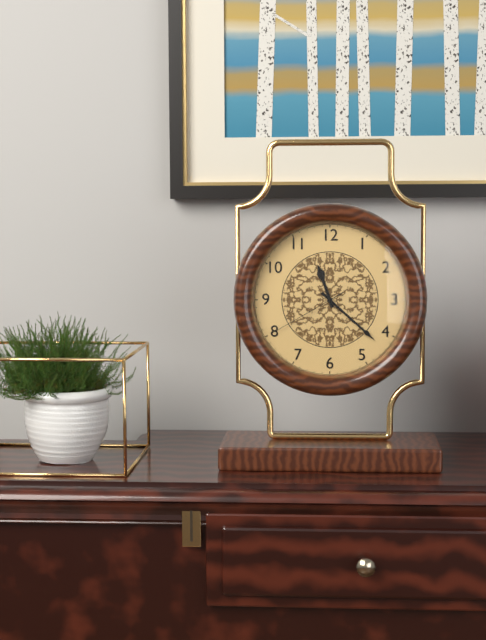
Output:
11.22.40
